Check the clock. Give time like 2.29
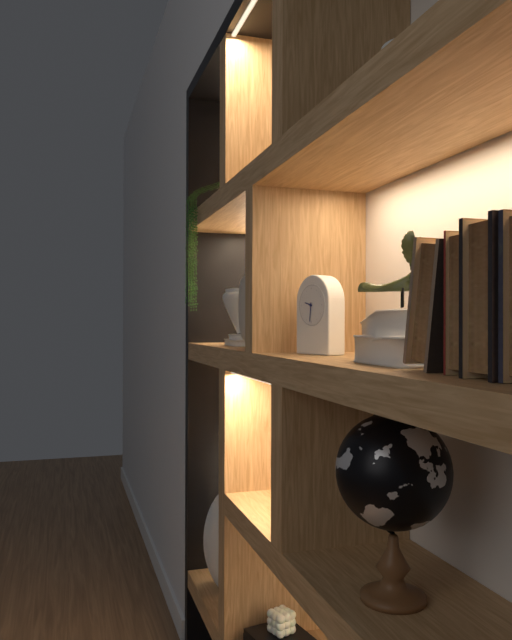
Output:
9.31
